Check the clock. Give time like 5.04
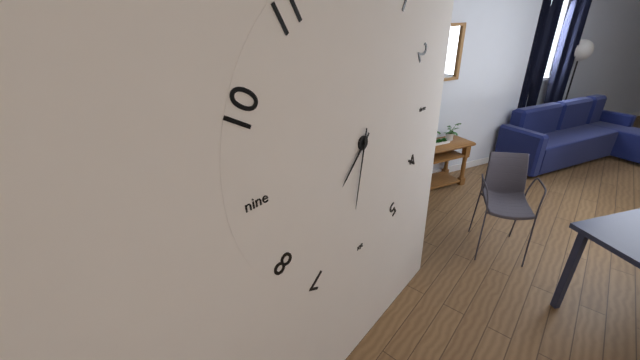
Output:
7.32
